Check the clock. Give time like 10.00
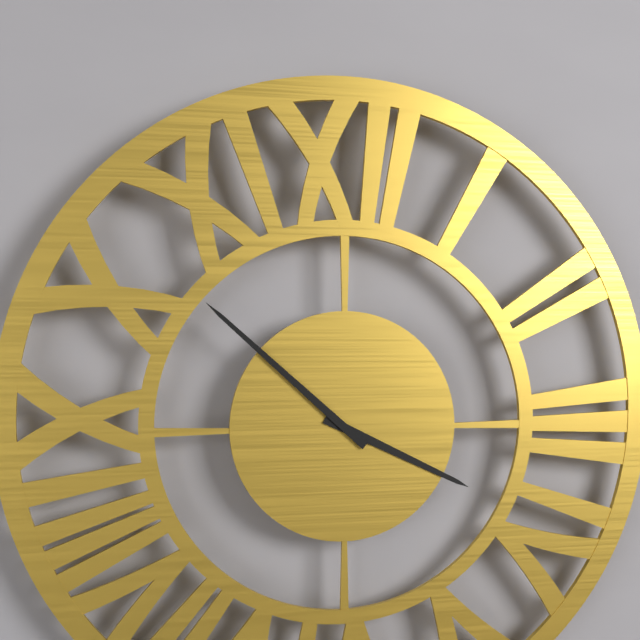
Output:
3.52
